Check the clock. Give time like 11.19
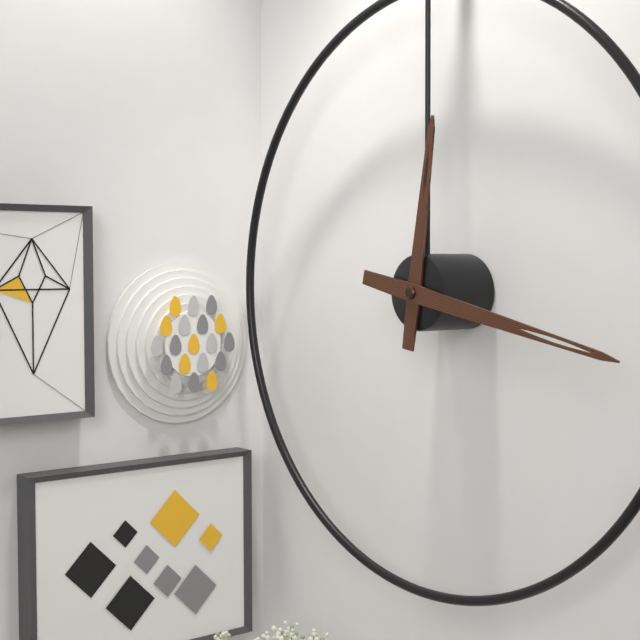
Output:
12.17
